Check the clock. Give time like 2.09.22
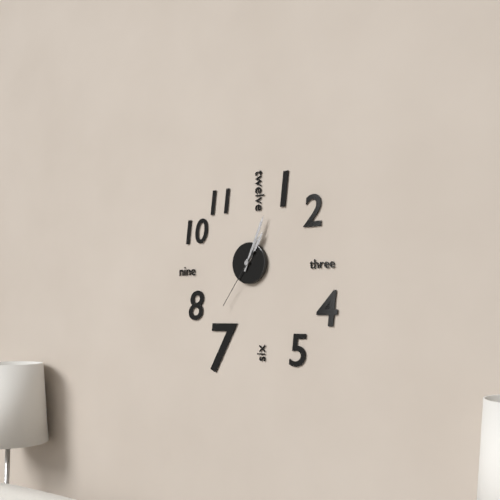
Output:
1.04.36
